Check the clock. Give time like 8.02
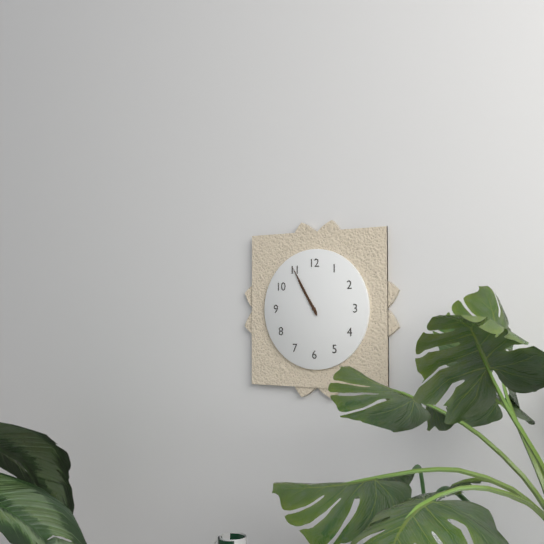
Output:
10.55
